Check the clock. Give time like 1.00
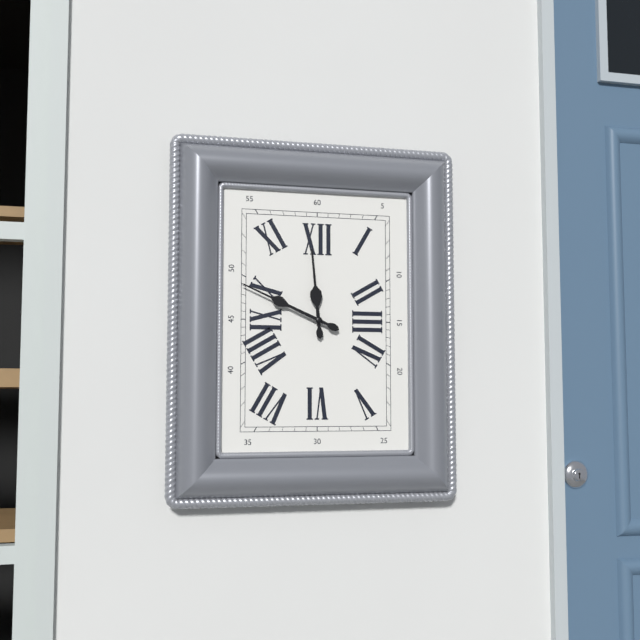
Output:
11.49
